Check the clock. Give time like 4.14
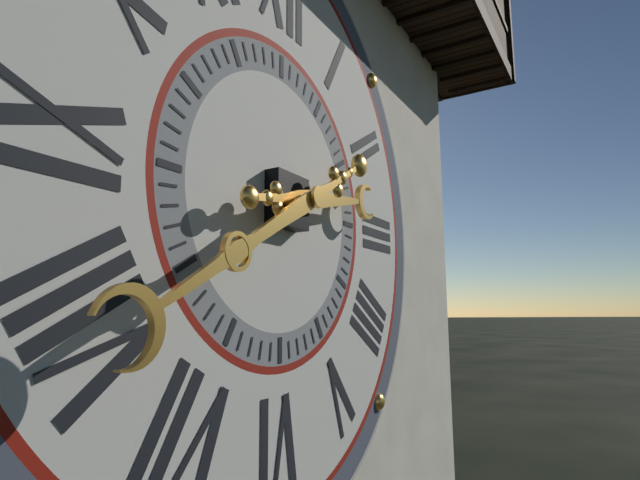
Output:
2.40
